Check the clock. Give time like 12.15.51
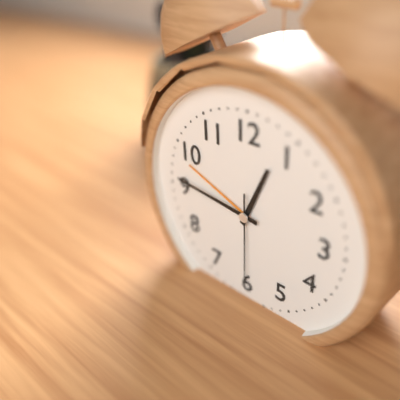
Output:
12.46.30
